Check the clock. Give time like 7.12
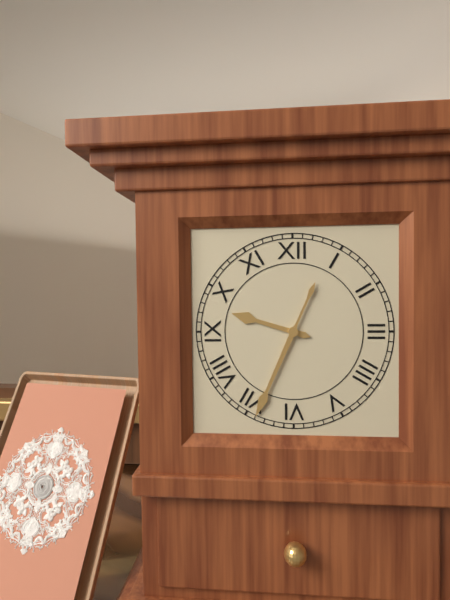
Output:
9.34
